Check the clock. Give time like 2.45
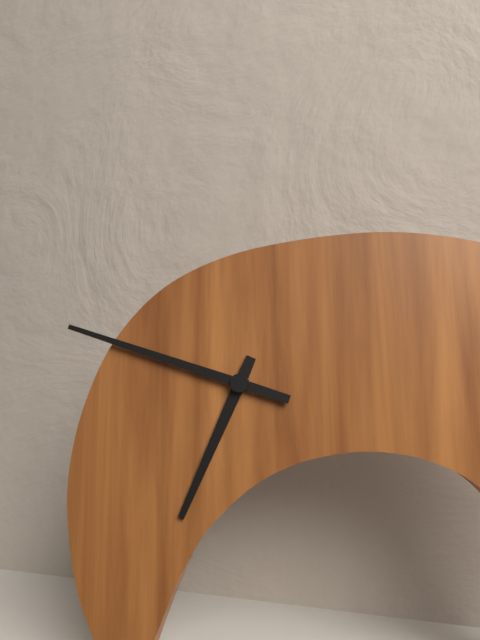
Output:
6.48
